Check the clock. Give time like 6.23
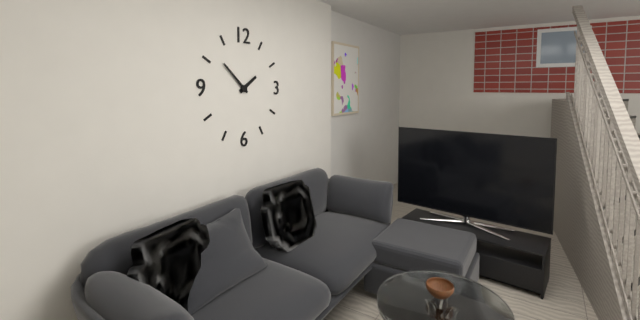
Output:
1.52
